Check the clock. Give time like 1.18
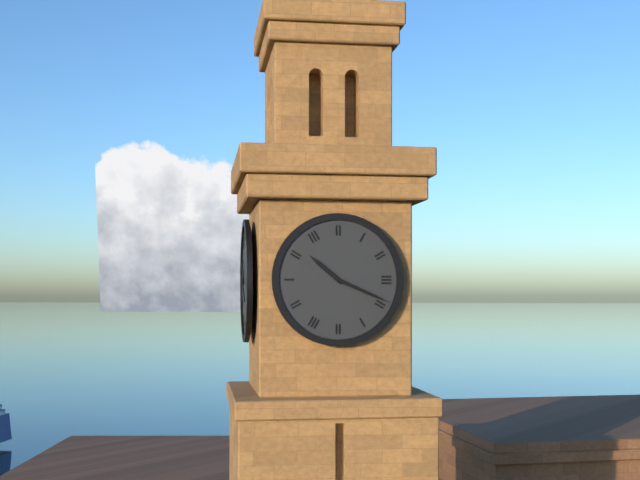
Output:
10.19
